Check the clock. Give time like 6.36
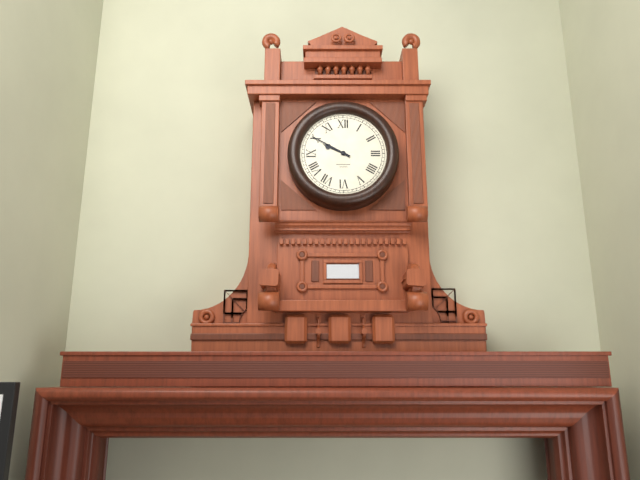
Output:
9.50
